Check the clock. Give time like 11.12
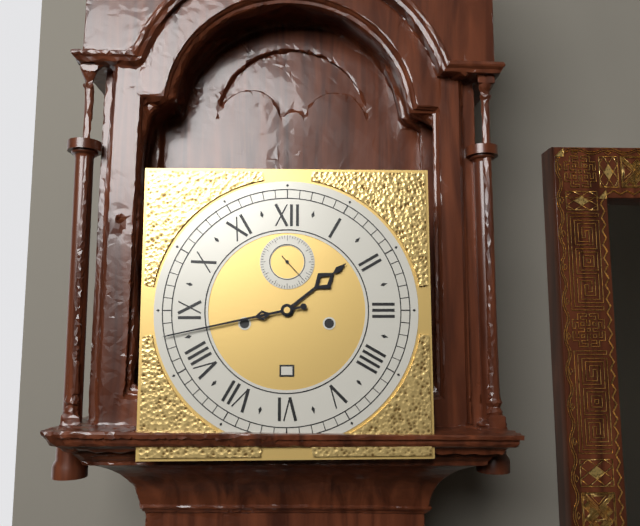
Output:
1.43
